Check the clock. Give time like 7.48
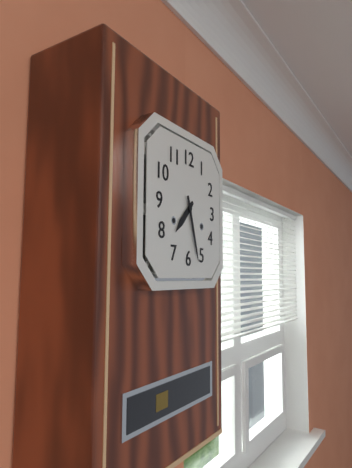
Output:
7.27
